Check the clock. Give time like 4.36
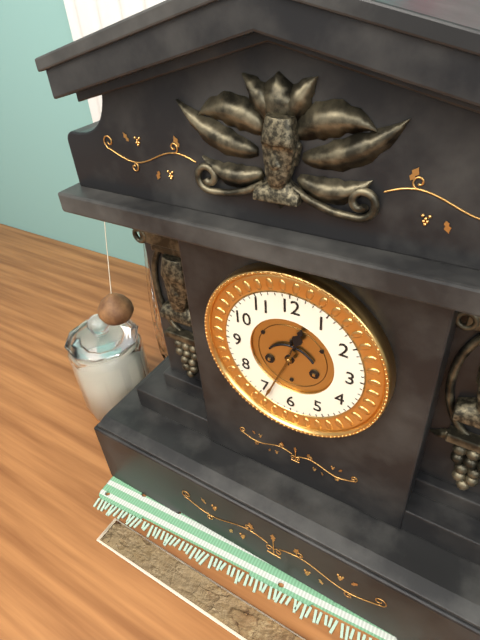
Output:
12.34
